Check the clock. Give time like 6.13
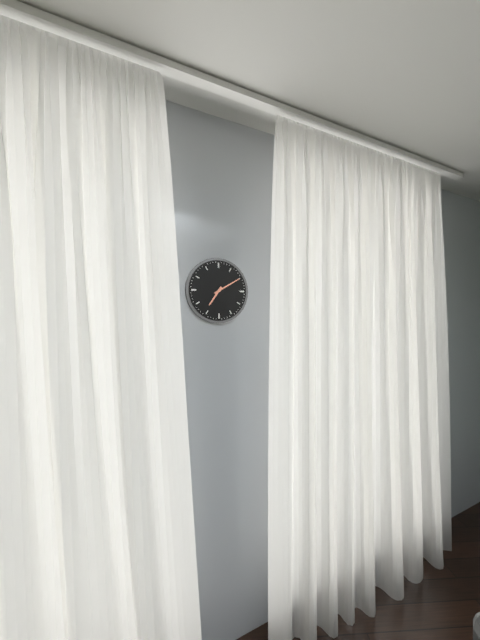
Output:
7.10
